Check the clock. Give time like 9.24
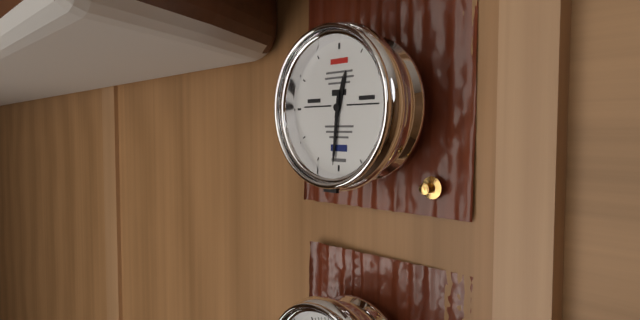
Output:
12.31
